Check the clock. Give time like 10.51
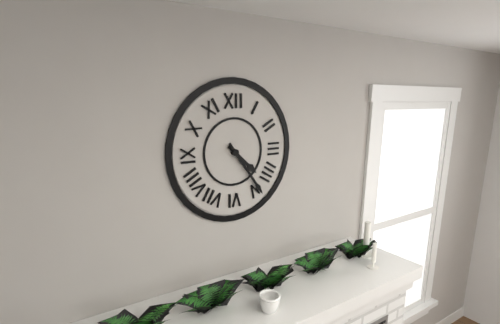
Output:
4.24
